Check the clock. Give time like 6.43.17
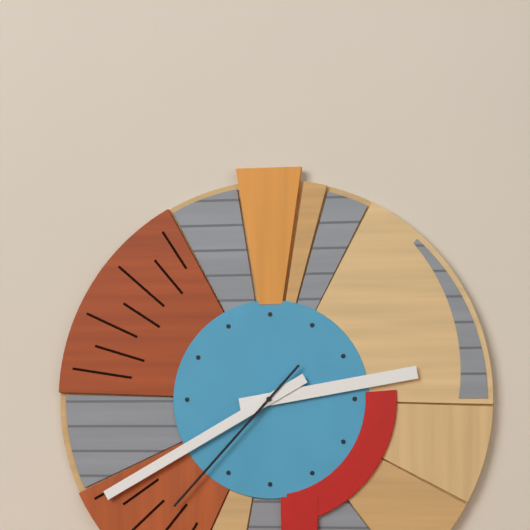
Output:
2.40.37
